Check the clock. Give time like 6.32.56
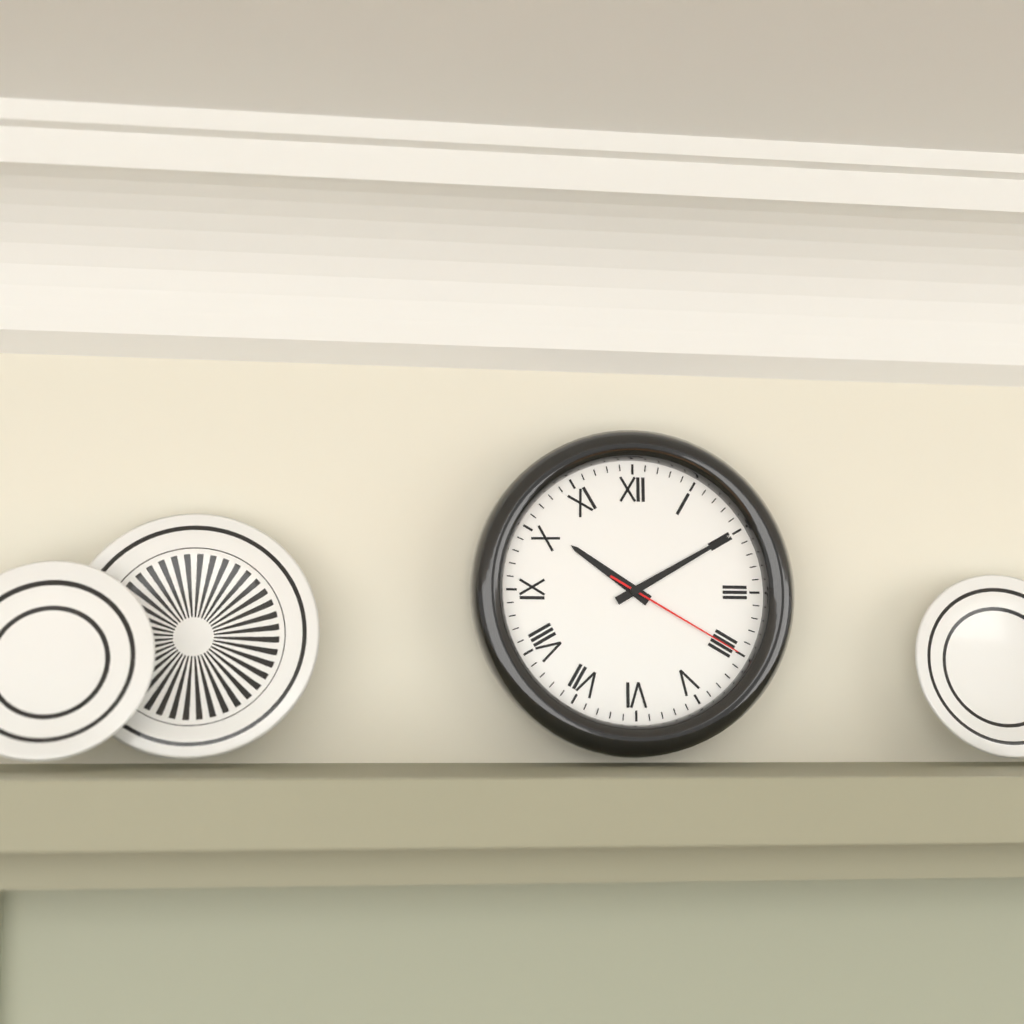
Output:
10.10.20
